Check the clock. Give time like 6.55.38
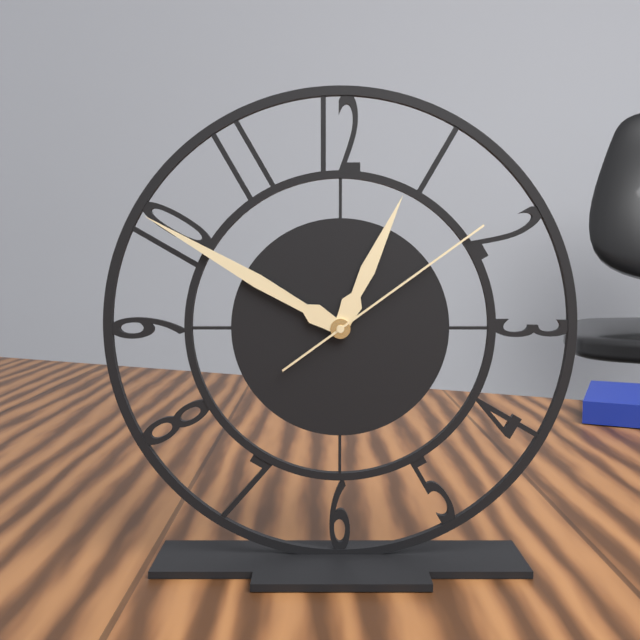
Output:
12.50.09
